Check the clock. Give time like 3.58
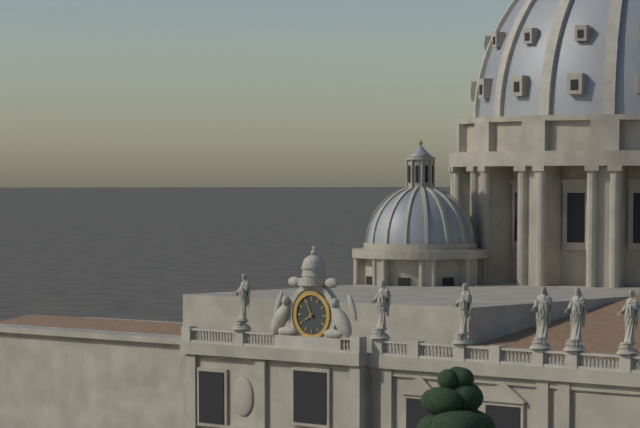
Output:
7.56
